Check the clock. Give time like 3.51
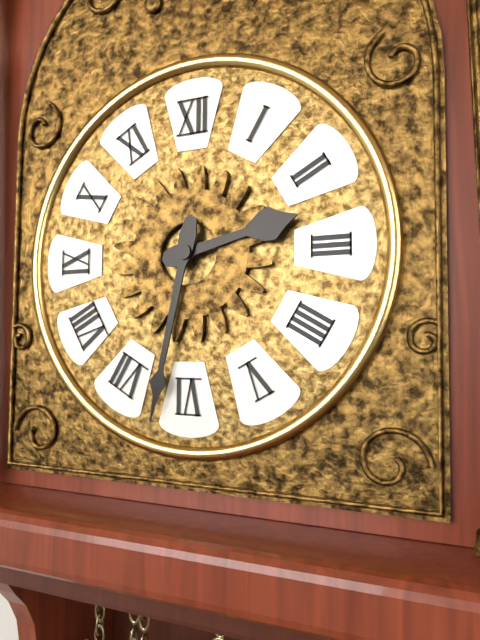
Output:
2.32
